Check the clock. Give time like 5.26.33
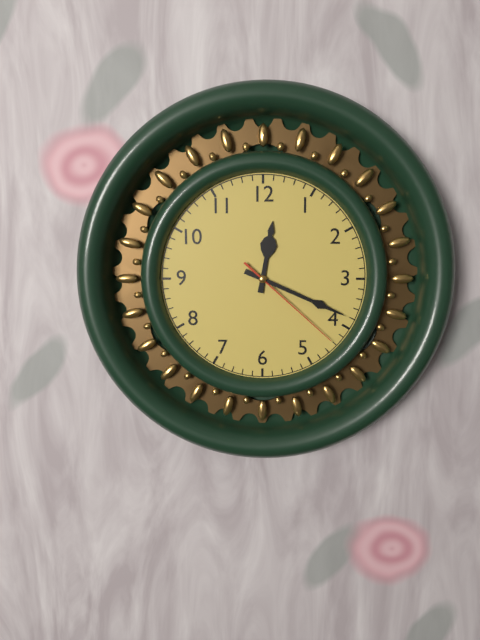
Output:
12.19.22
